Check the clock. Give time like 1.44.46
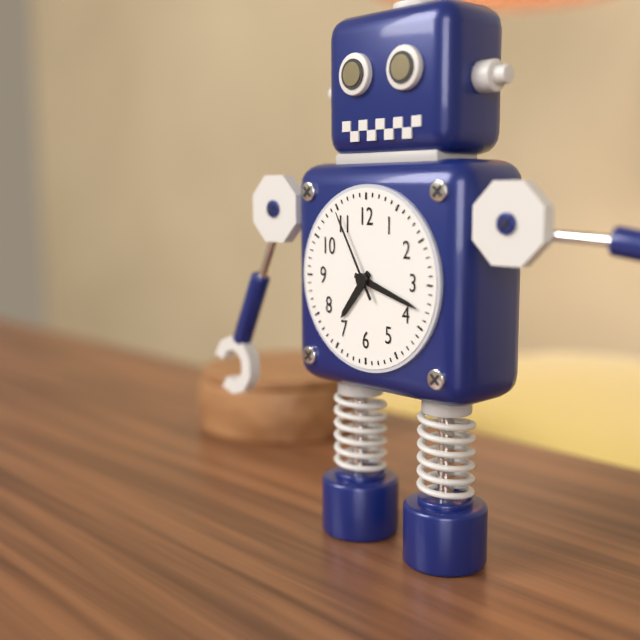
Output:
7.18.55
